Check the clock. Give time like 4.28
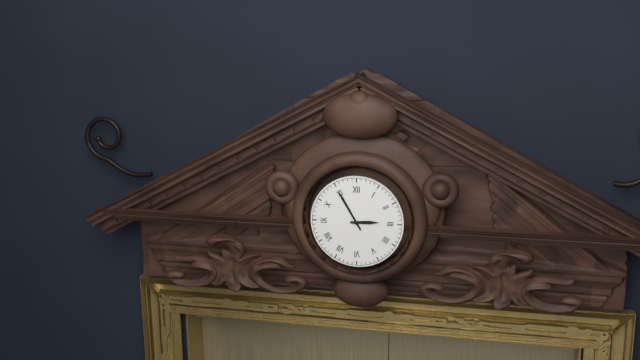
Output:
2.55
